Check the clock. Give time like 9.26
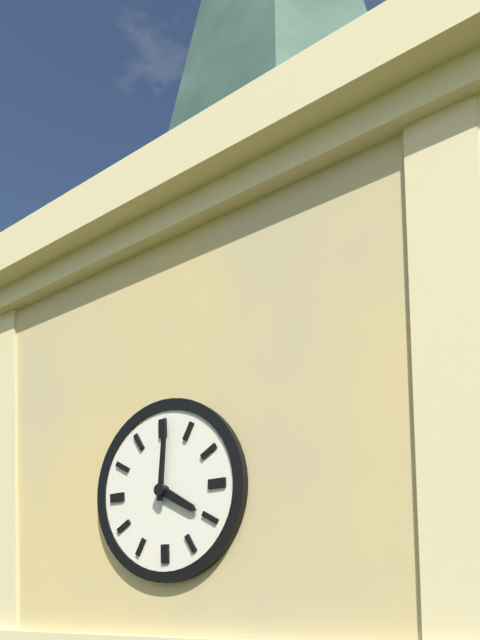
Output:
4.01
